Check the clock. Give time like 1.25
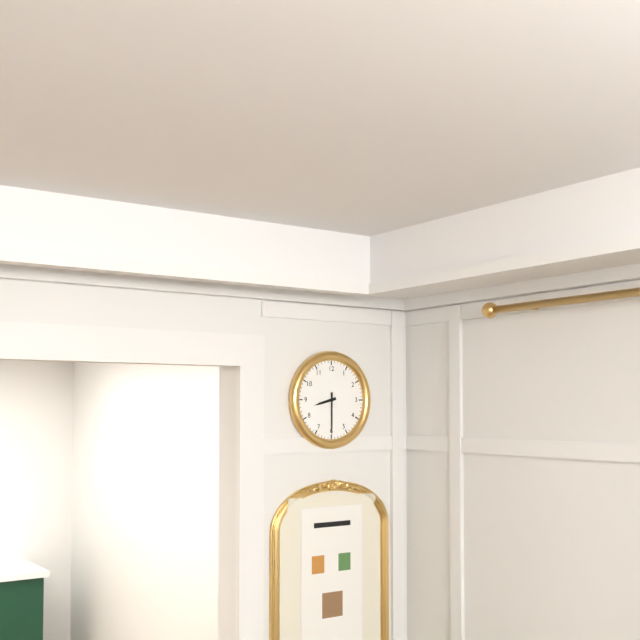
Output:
8.30
